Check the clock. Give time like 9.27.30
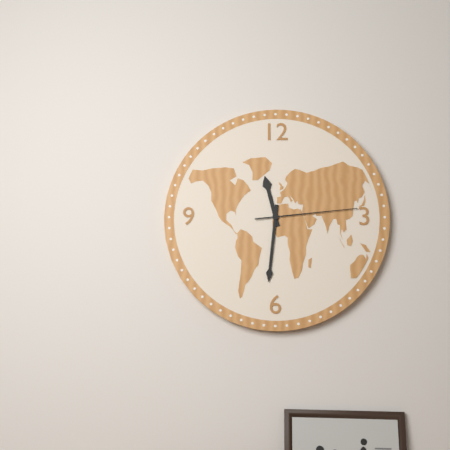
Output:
11.31.14
